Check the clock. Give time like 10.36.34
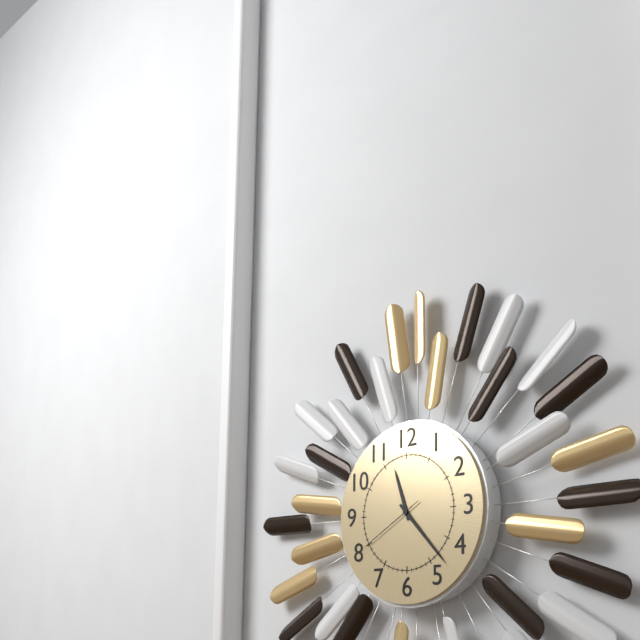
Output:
11.23.40
